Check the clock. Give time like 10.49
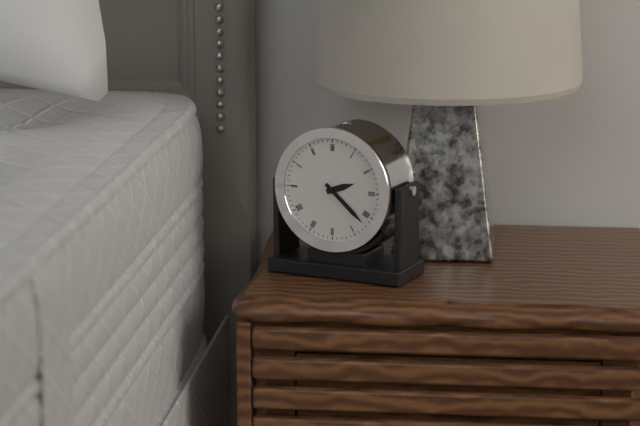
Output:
2.22
